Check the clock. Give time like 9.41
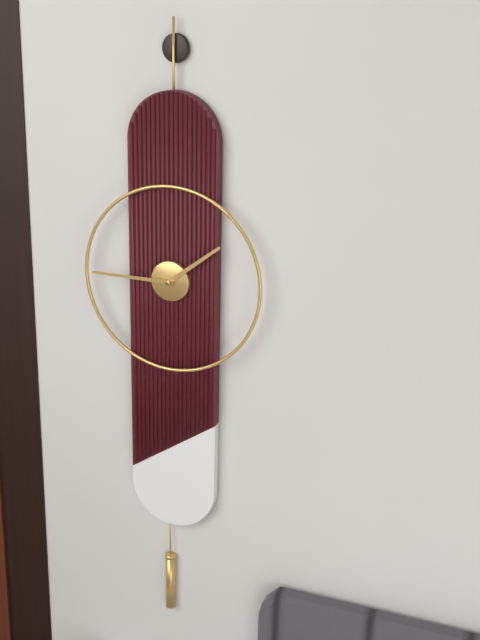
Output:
1.45
